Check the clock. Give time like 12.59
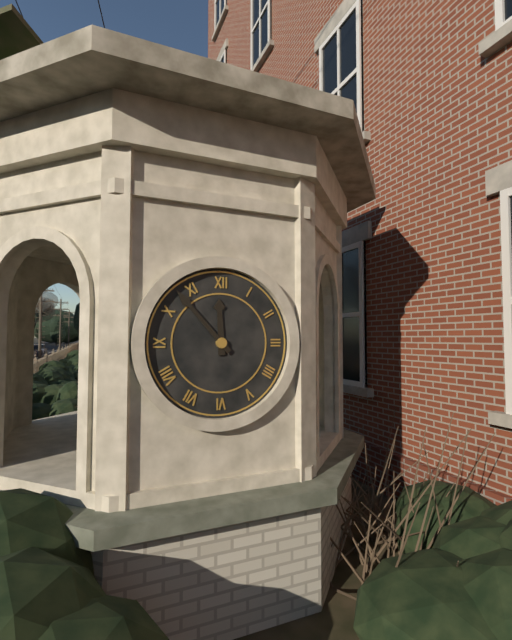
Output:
11.53
